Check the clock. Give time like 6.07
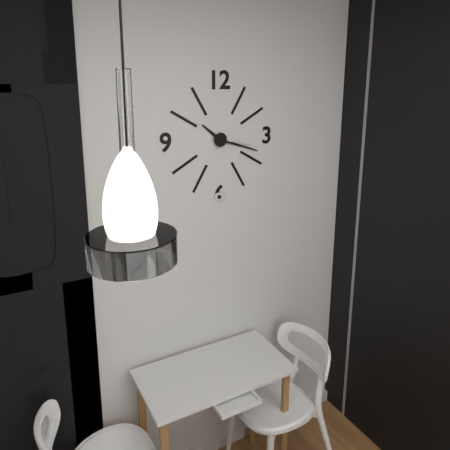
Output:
10.18
